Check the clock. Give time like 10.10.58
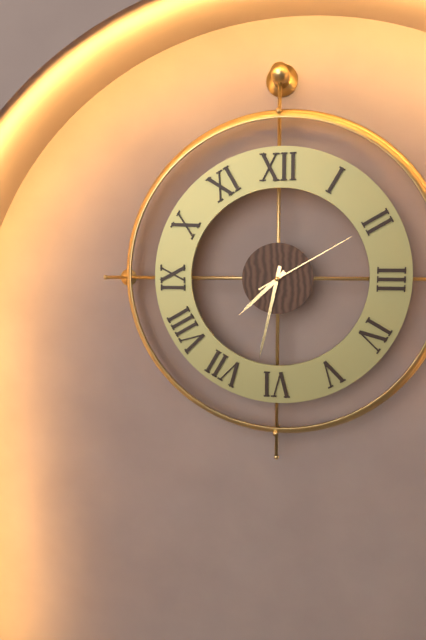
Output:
7.32.10
